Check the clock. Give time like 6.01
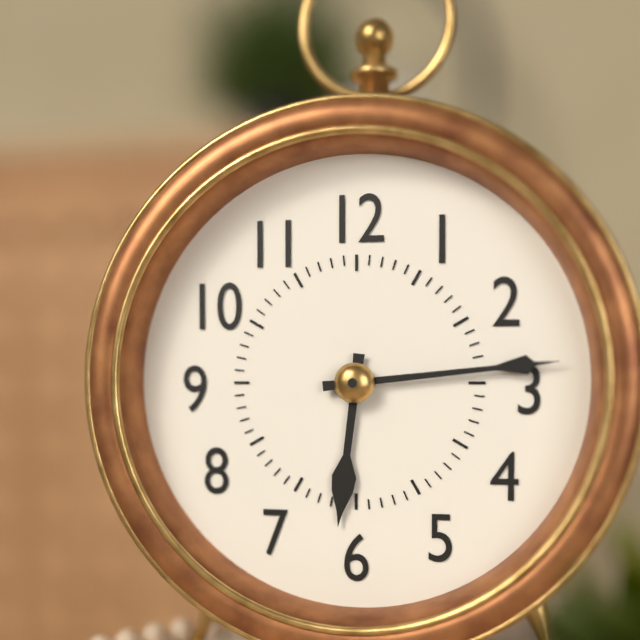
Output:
6.14
